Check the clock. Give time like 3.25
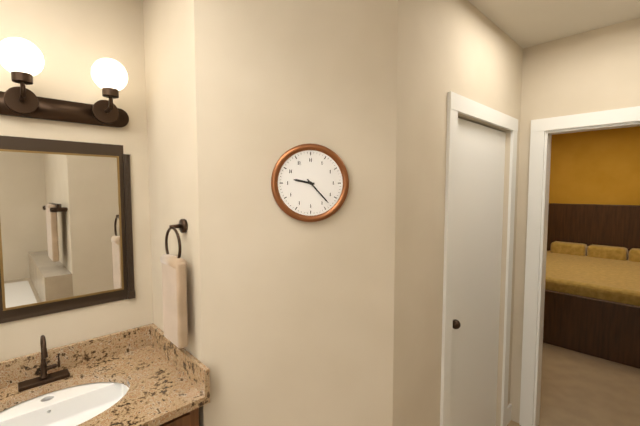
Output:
9.23
